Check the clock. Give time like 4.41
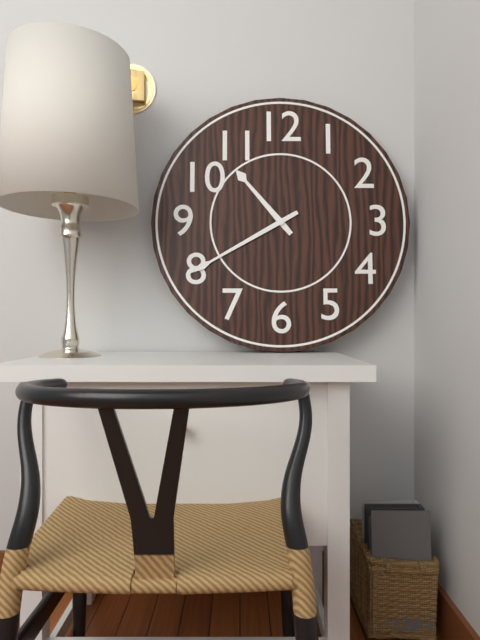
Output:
10.40
